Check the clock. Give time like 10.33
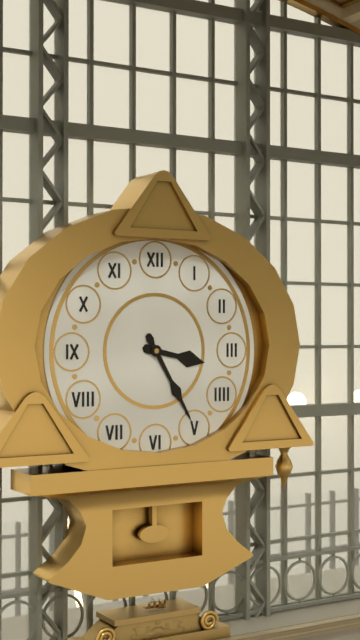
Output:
3.25
